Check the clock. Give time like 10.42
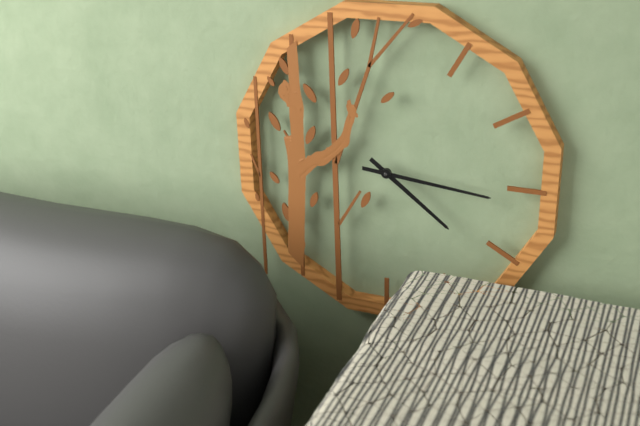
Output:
4.16
